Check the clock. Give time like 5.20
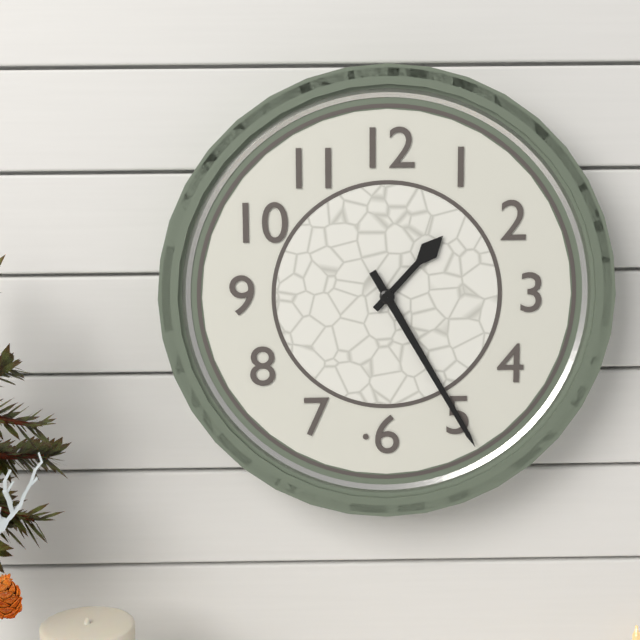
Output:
1.25
